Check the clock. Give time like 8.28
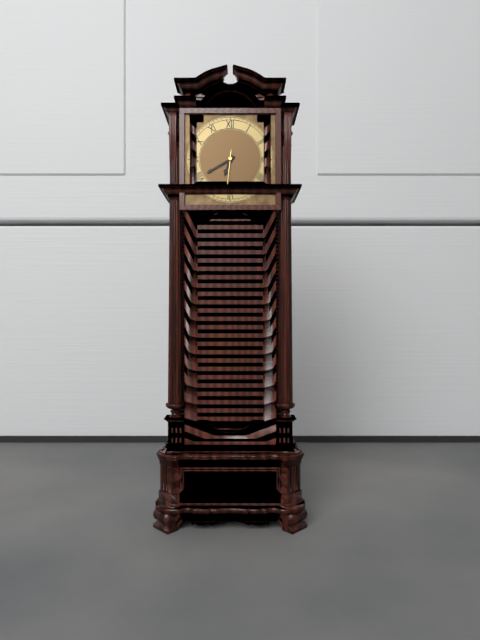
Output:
6.40
